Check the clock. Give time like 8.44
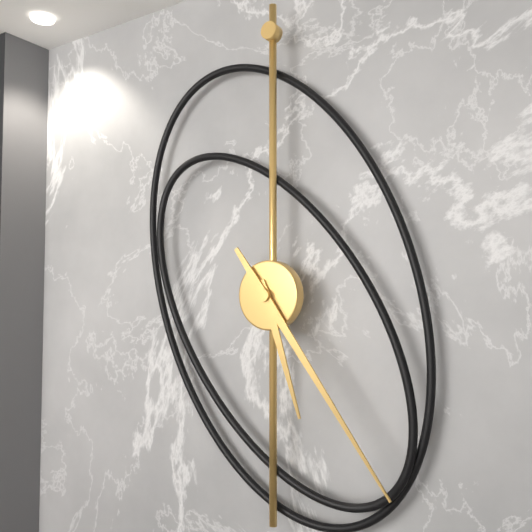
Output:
5.24
